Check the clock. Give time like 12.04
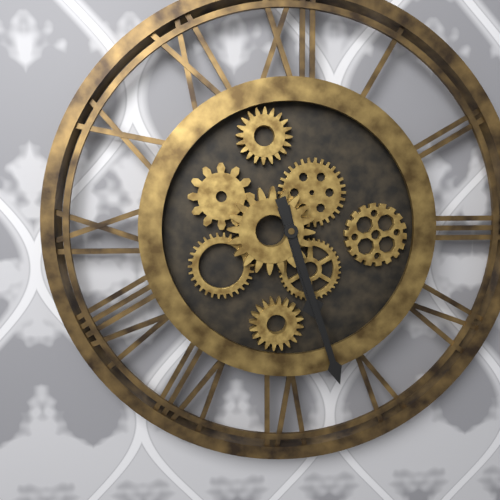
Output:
5.27
